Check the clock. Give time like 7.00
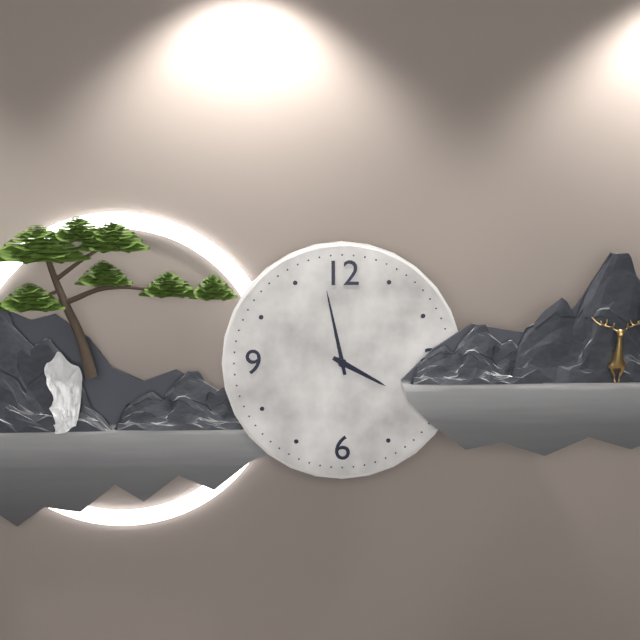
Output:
3.58
